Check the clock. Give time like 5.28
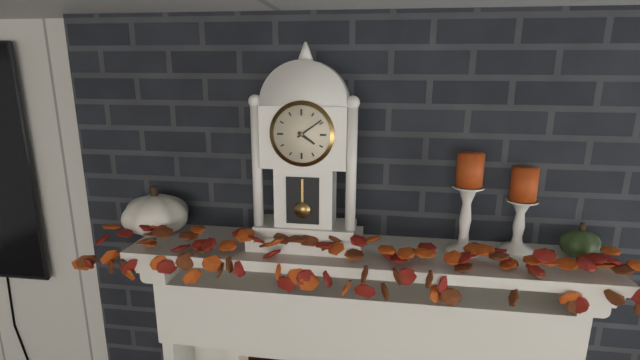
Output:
4.09
